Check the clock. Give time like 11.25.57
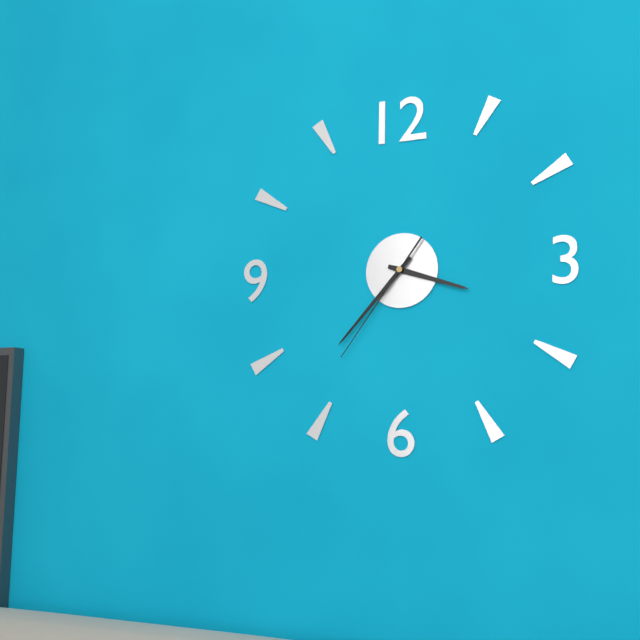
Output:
3.37.36
